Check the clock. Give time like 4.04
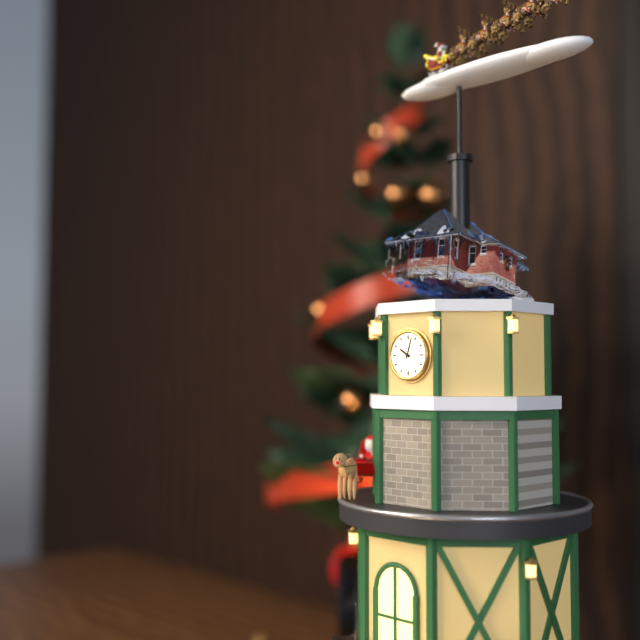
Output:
10.03
